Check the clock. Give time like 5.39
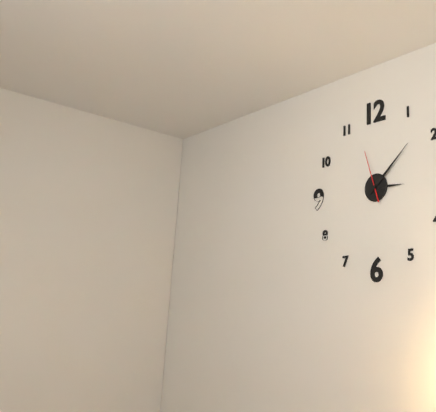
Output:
3.08
